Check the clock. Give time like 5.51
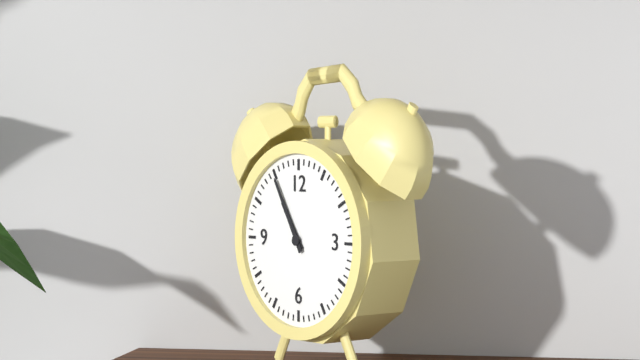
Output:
10.55
